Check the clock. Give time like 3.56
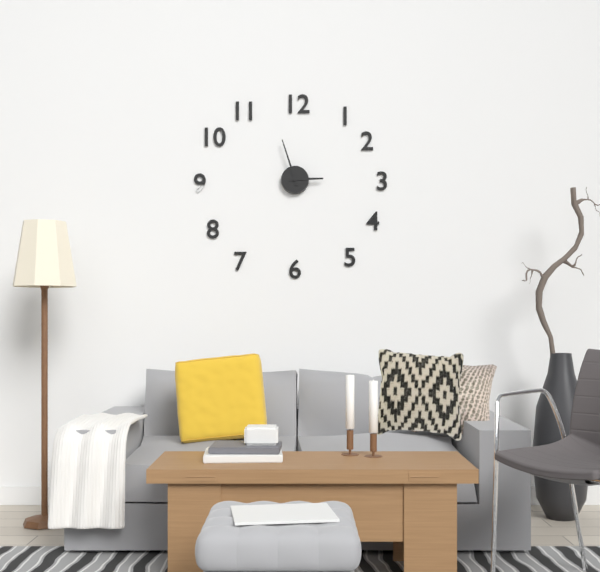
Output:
2.57
